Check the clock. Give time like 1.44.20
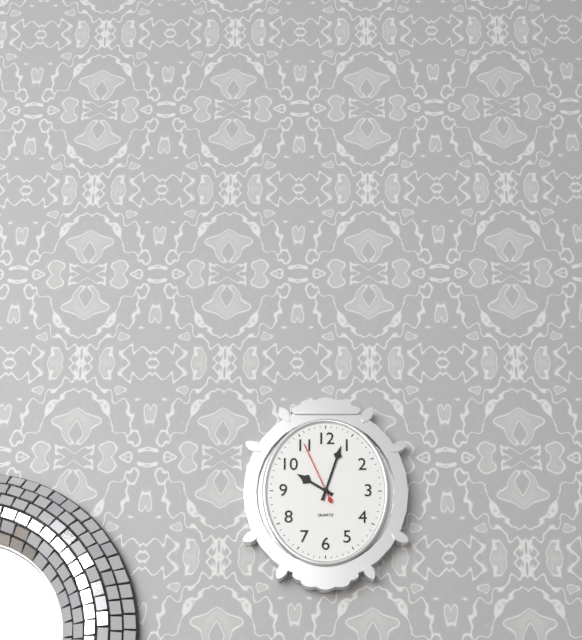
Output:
10.03.56
